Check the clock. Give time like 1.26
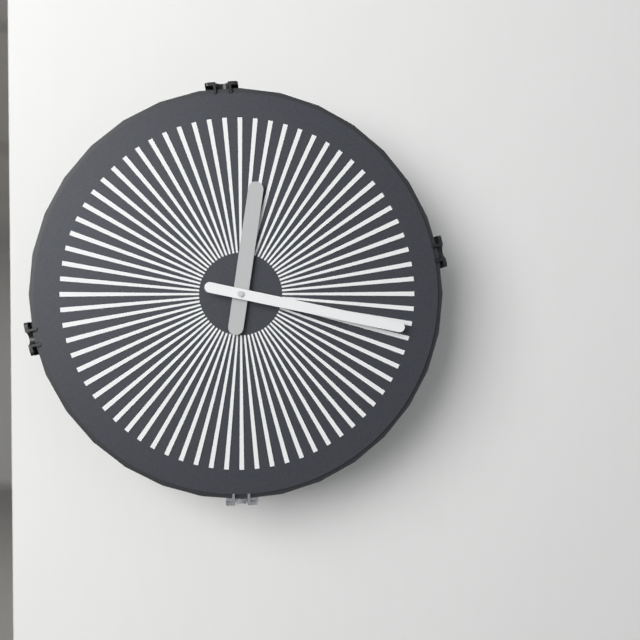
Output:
12.17
